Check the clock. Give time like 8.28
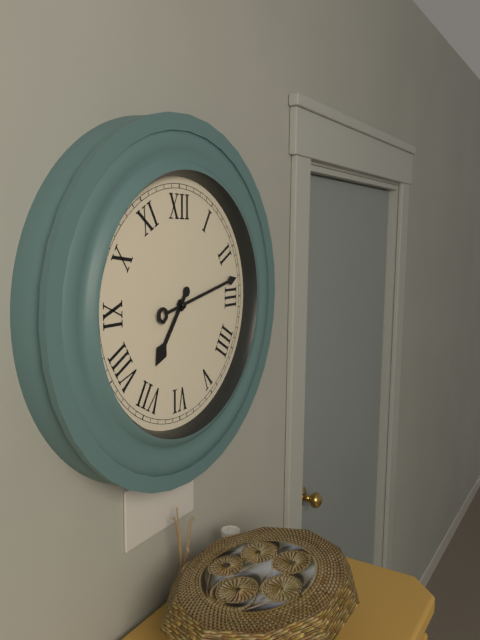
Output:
7.13
